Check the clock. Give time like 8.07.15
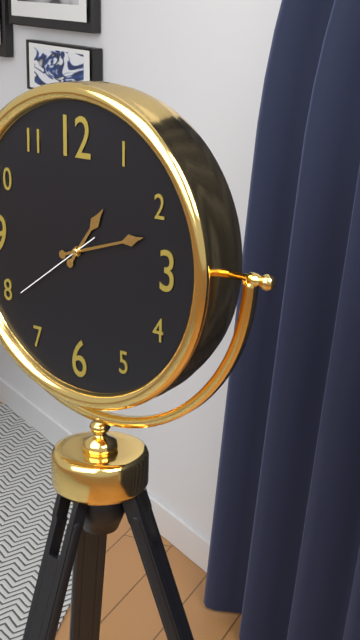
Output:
1.12.39
